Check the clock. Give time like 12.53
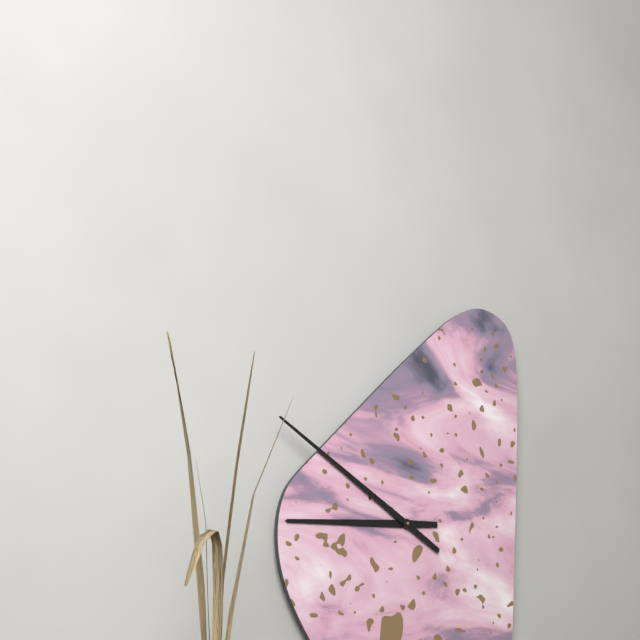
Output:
8.50
